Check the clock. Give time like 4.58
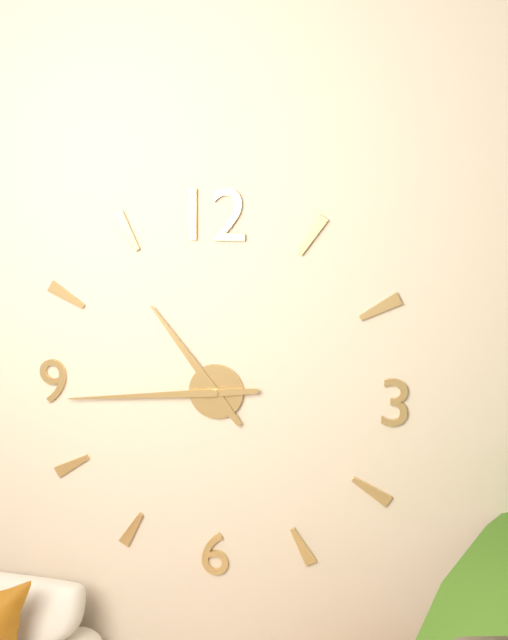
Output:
10.44
